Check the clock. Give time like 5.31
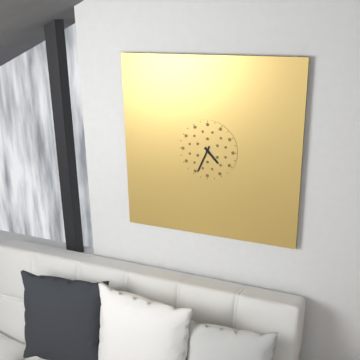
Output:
4.34
